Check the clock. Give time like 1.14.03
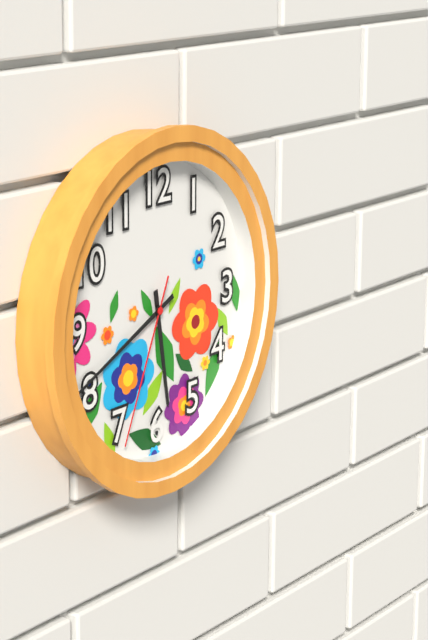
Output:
5.41.34
